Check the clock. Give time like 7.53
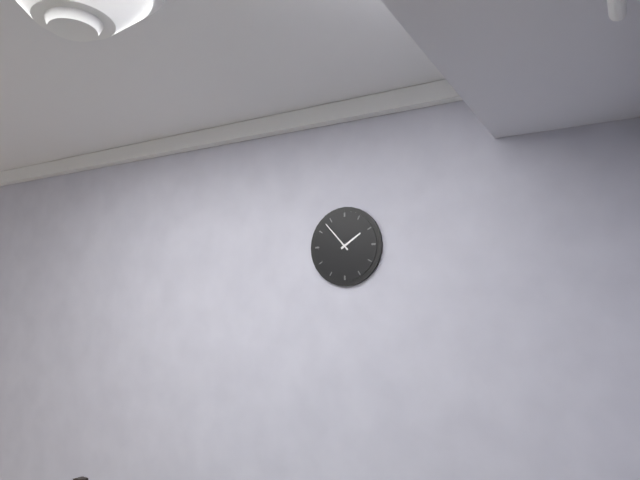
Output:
1.53
